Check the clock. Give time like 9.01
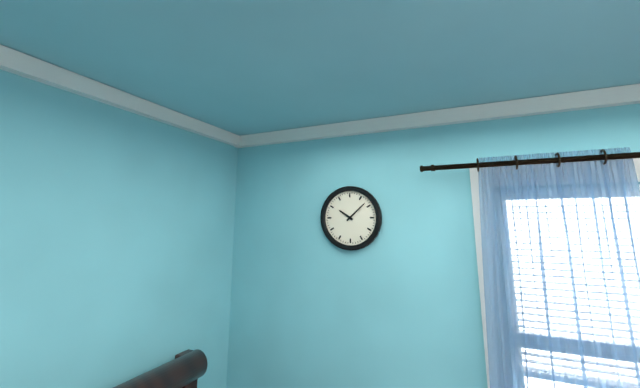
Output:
10.08
